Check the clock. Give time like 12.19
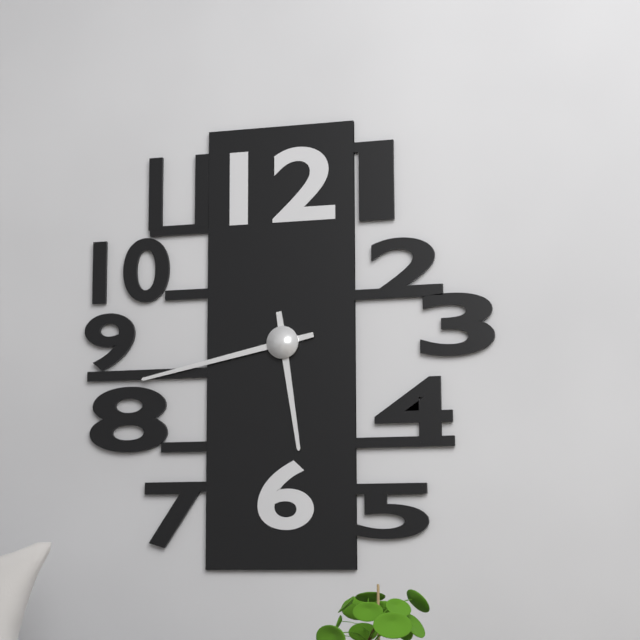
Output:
5.43
